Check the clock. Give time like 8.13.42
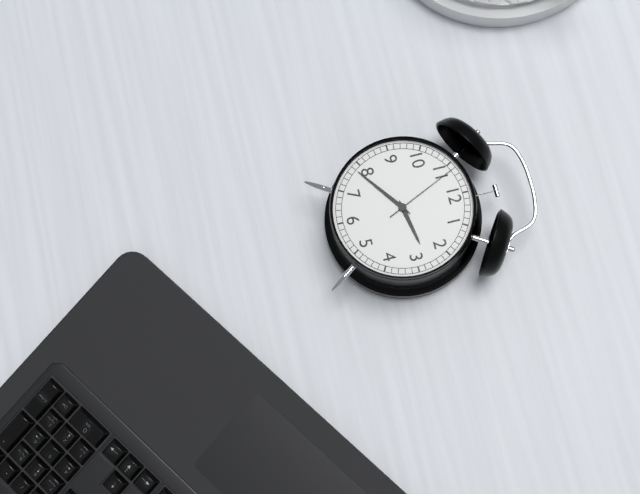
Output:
2.39.56
